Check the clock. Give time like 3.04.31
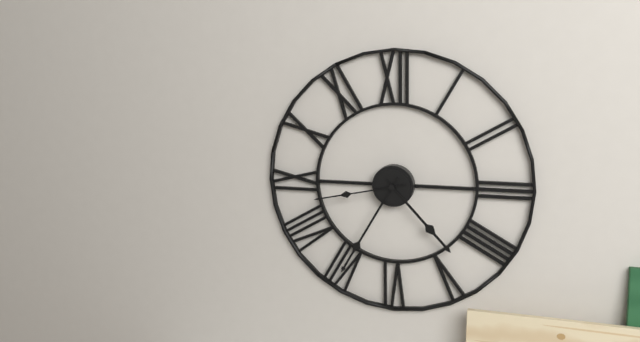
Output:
4.35.43
